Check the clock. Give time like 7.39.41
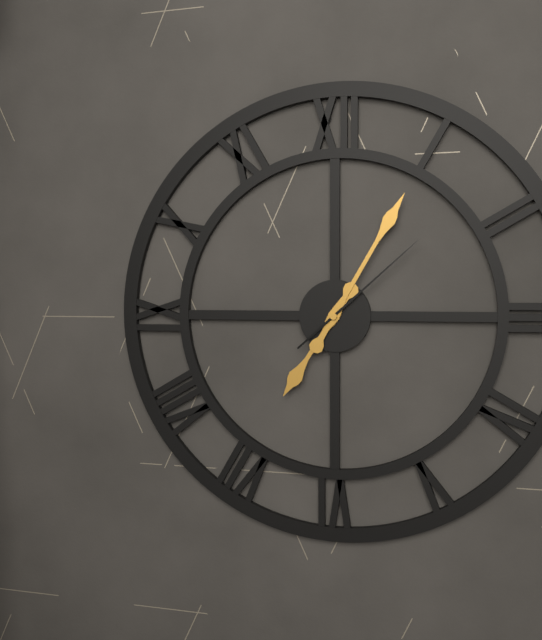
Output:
7.05.08
